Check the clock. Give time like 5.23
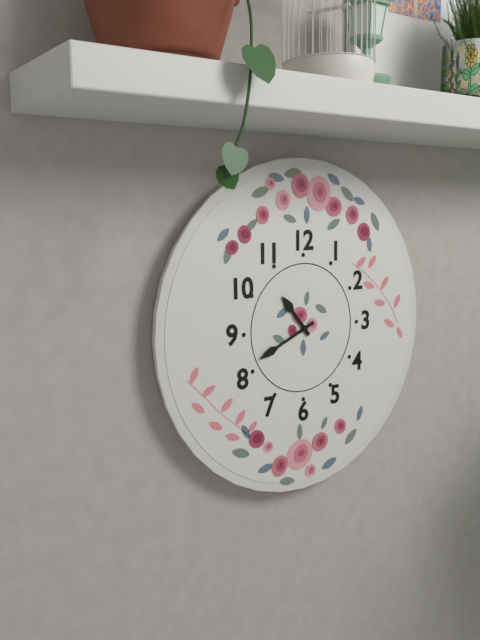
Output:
10.41
